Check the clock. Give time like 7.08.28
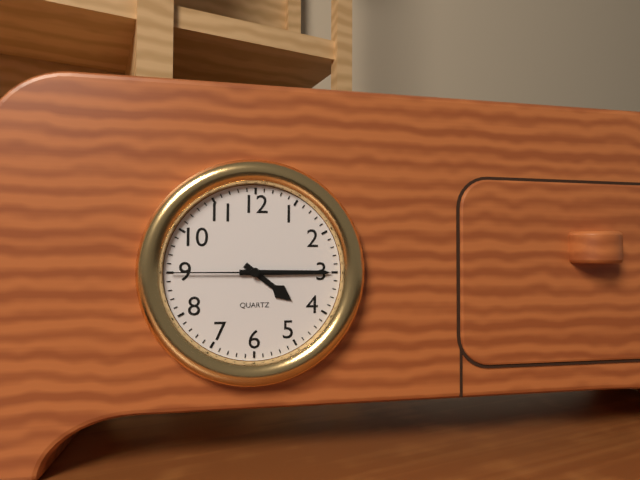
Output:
4.15.45
